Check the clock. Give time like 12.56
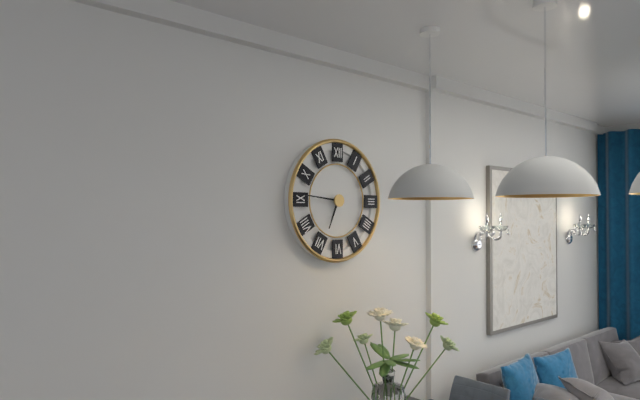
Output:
6.46
